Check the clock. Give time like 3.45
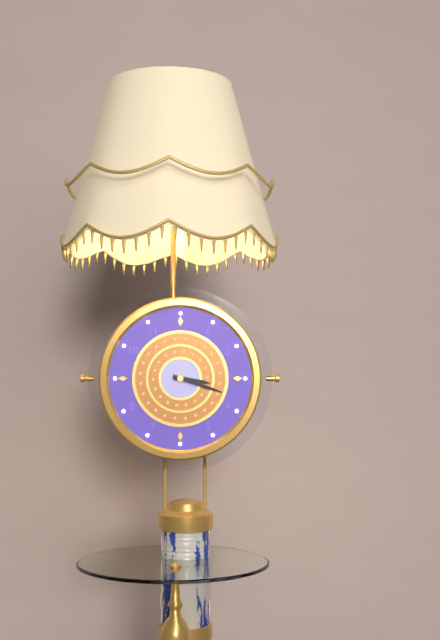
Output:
3.18
